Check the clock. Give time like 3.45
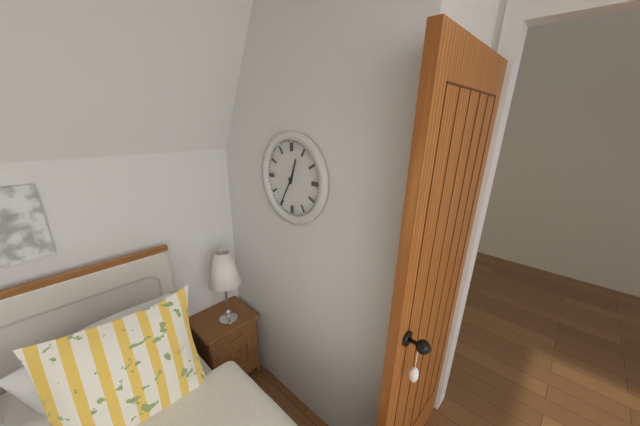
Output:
12.35
